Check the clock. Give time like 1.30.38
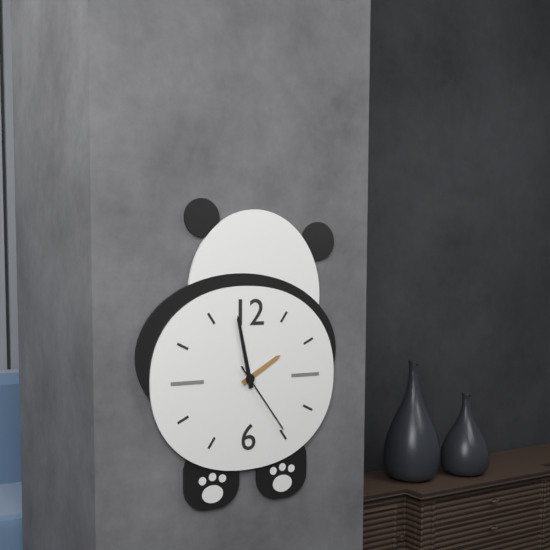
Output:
1.58.24
